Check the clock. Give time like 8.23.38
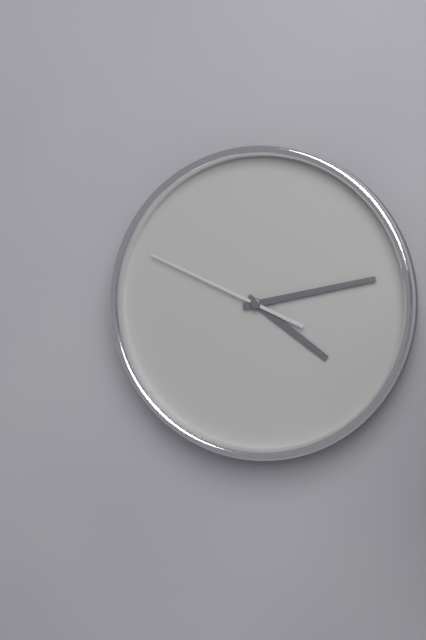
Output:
4.13.49
